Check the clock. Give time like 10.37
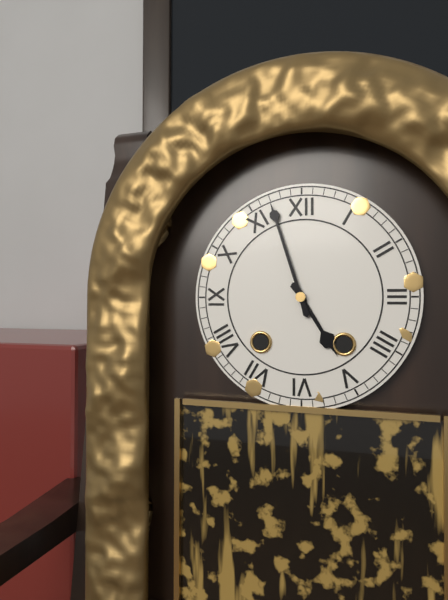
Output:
4.57
